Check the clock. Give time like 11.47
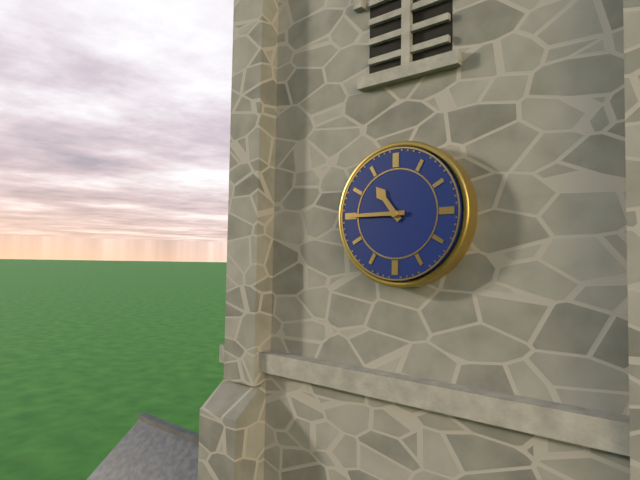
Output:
10.45
